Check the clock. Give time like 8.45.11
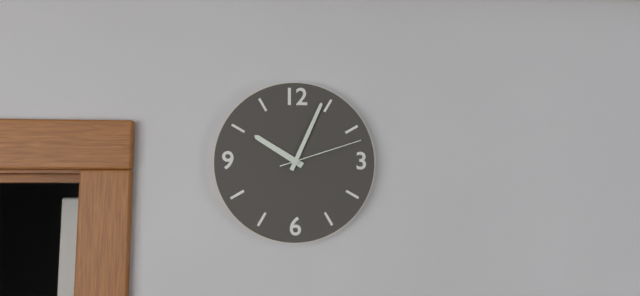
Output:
10.04.12
